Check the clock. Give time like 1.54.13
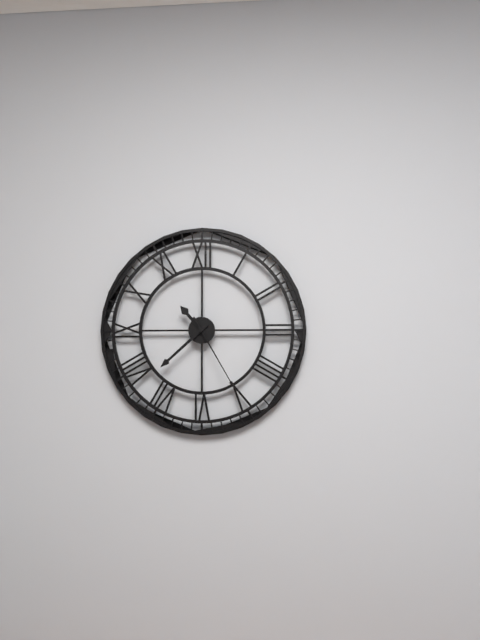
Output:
10.38.25
